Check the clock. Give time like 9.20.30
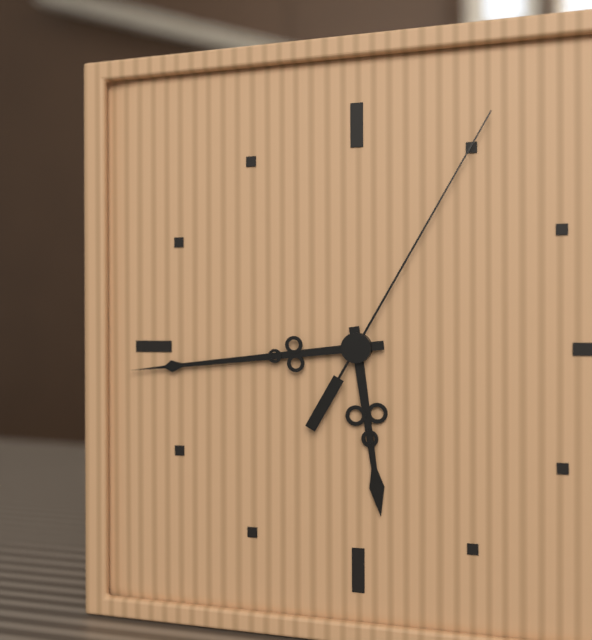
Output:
5.44.05
